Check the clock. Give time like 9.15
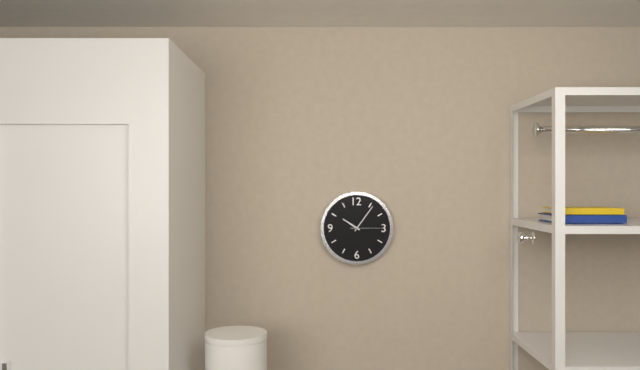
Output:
10.06
